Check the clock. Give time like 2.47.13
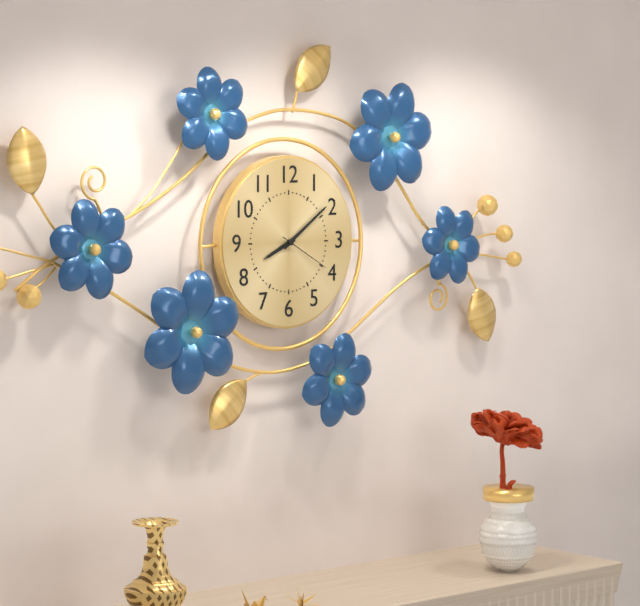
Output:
8.09.20
